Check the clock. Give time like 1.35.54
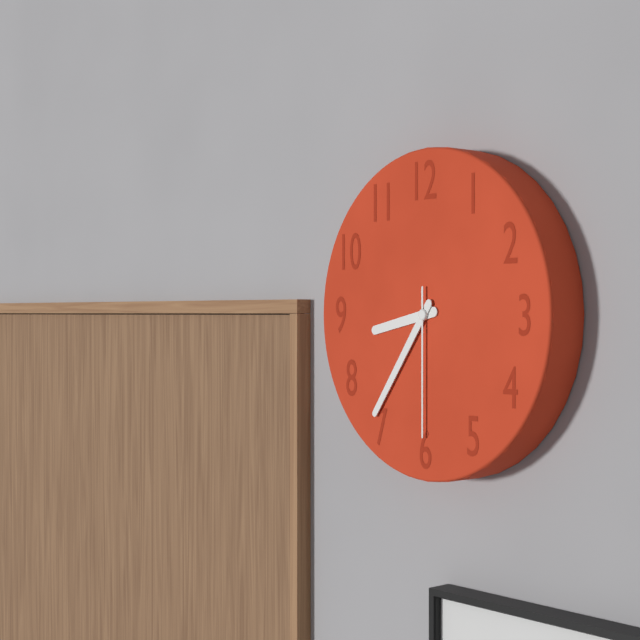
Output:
8.36.30
